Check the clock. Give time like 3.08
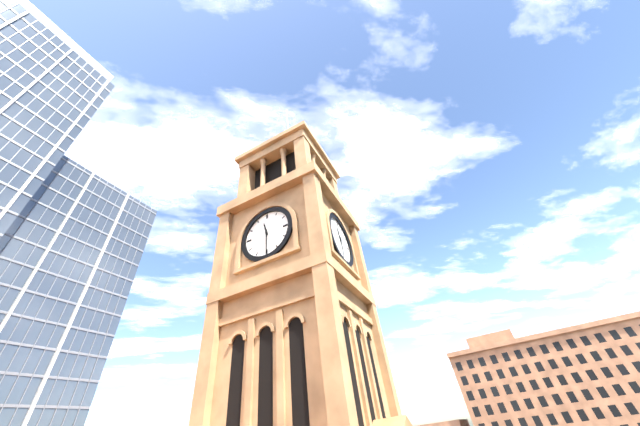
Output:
11.30
